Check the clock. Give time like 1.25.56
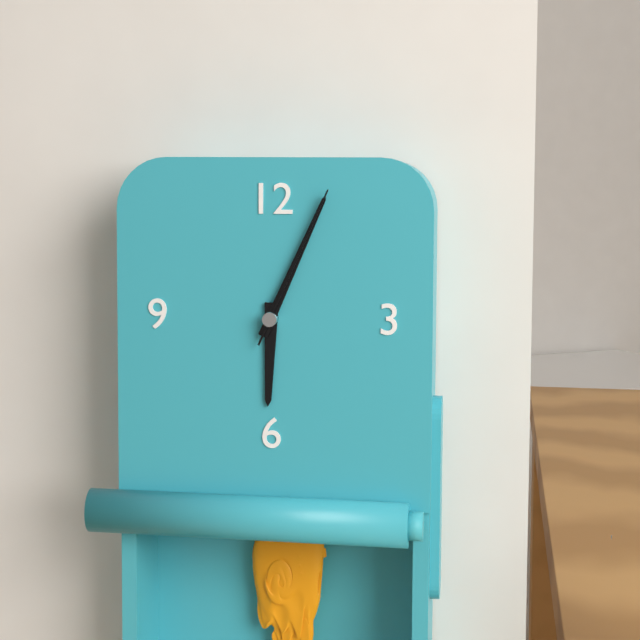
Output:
6.04.04
